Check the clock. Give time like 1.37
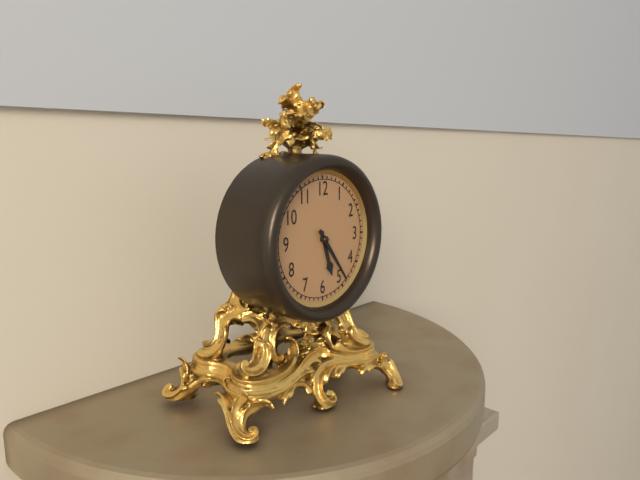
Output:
5.24
